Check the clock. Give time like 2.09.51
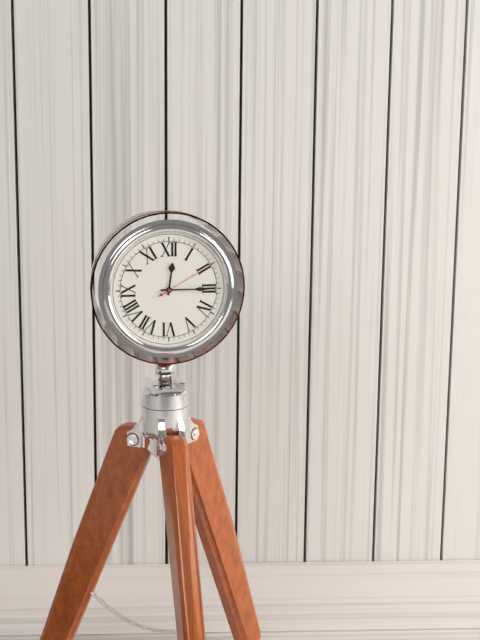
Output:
12.15.10
